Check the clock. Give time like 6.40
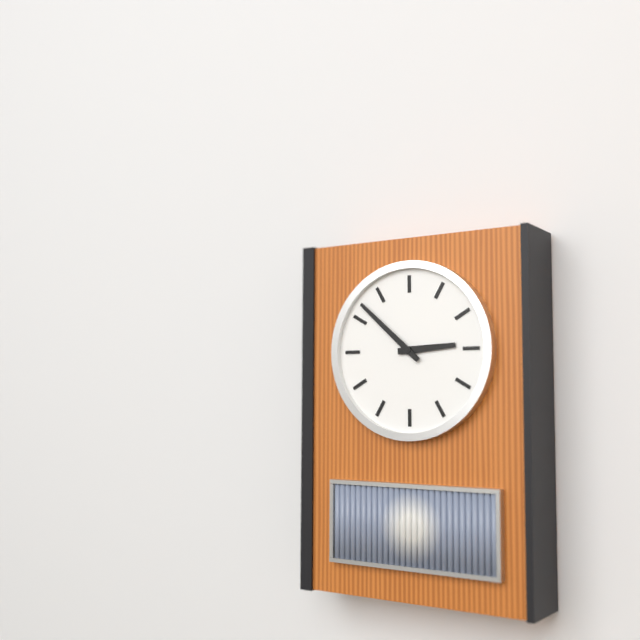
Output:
2.52
